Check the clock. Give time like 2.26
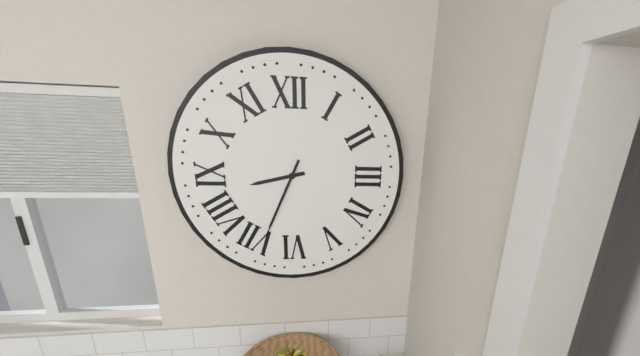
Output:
8.34
